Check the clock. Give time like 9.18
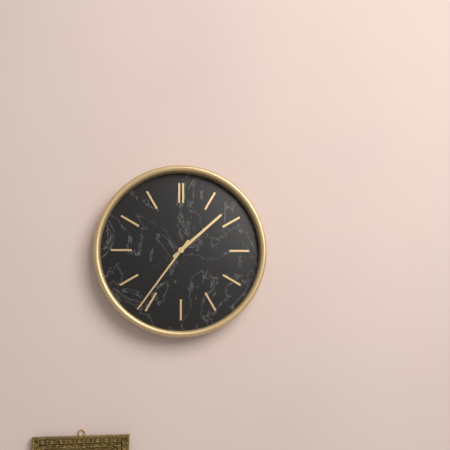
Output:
1.36
